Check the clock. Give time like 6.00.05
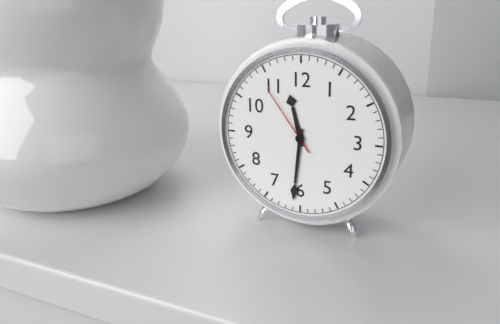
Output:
11.31.54
